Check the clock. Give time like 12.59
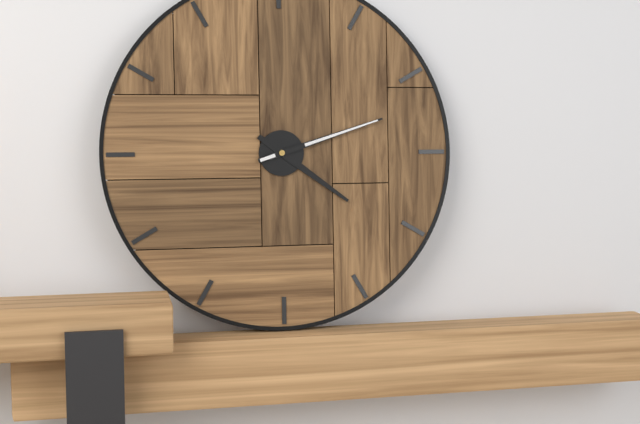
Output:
4.12
